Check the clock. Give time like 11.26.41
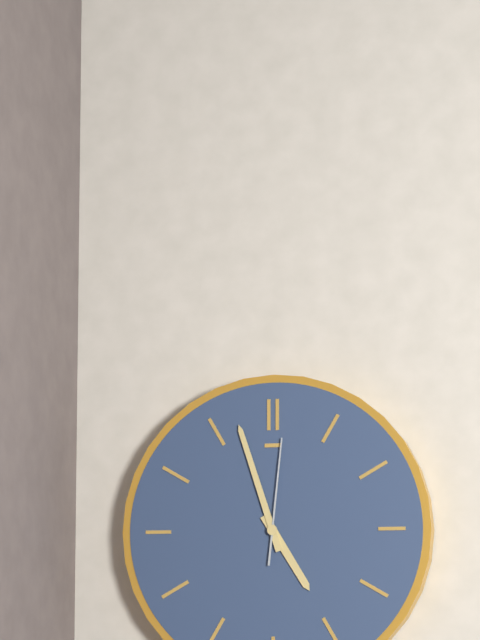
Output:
4.57.01
